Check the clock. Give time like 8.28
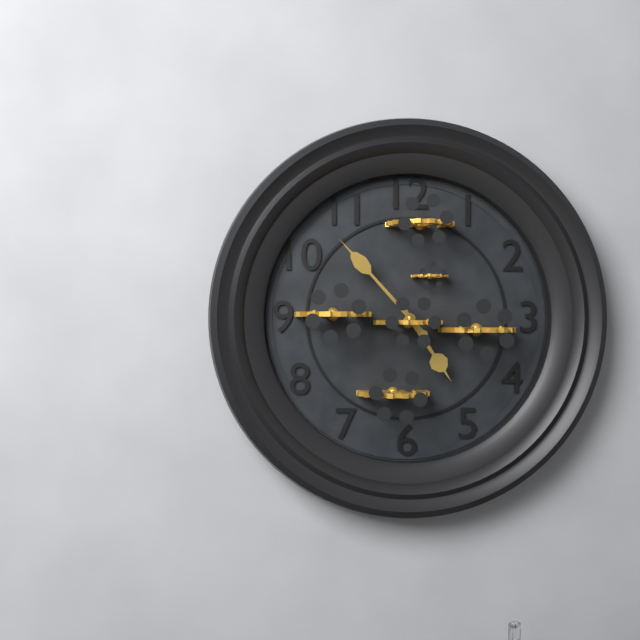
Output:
4.53
